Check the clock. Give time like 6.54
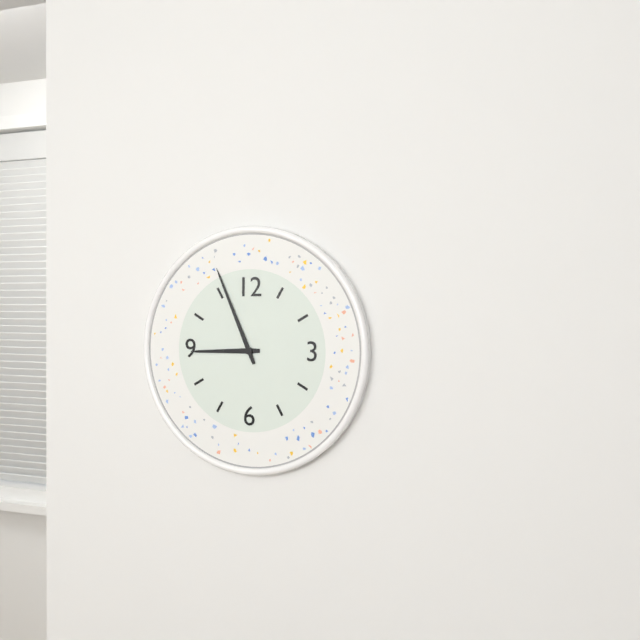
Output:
8.56
